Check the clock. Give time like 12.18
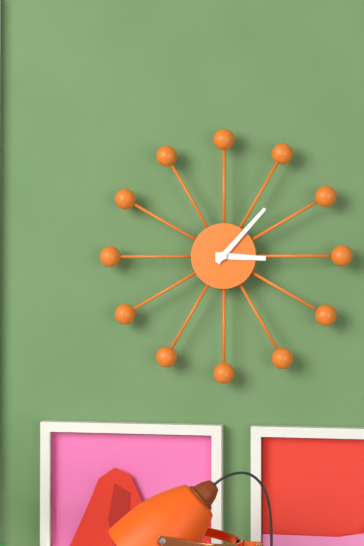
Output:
3.07
